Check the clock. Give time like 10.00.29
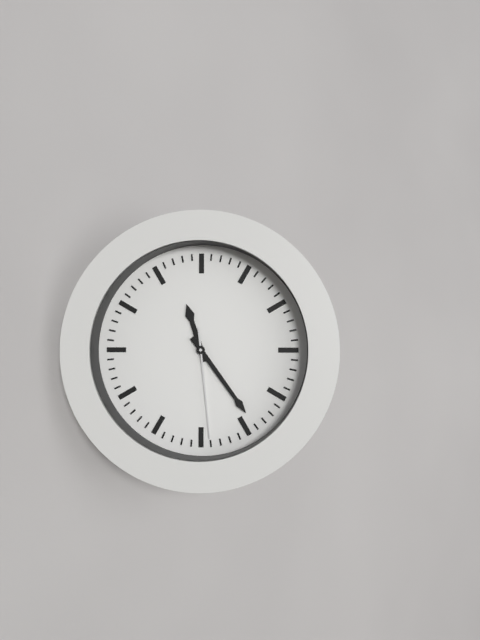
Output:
11.24.29
